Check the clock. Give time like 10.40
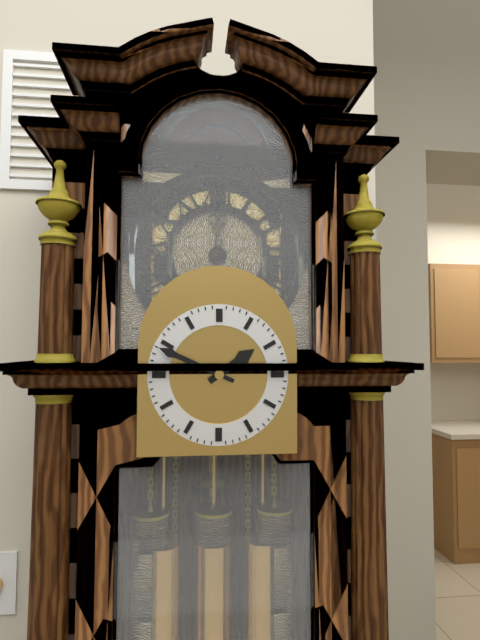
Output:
1.49
